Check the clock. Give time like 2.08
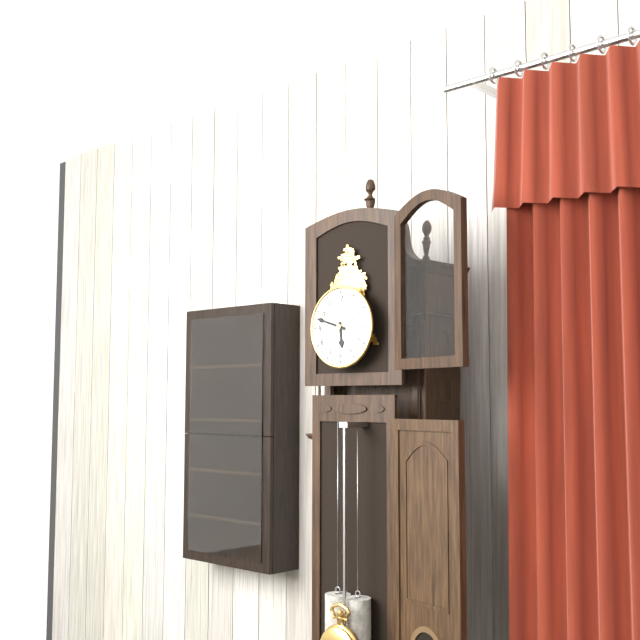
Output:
5.48
